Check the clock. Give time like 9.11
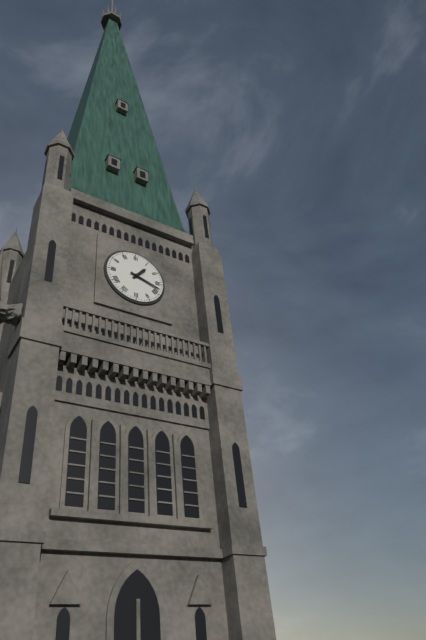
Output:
1.18
